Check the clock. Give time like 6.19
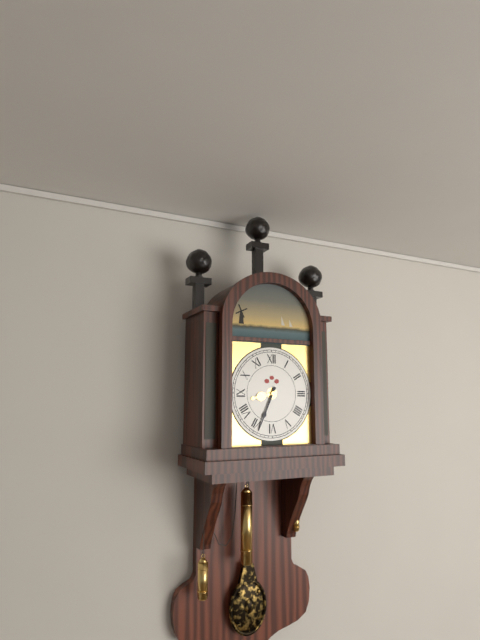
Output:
8.34
